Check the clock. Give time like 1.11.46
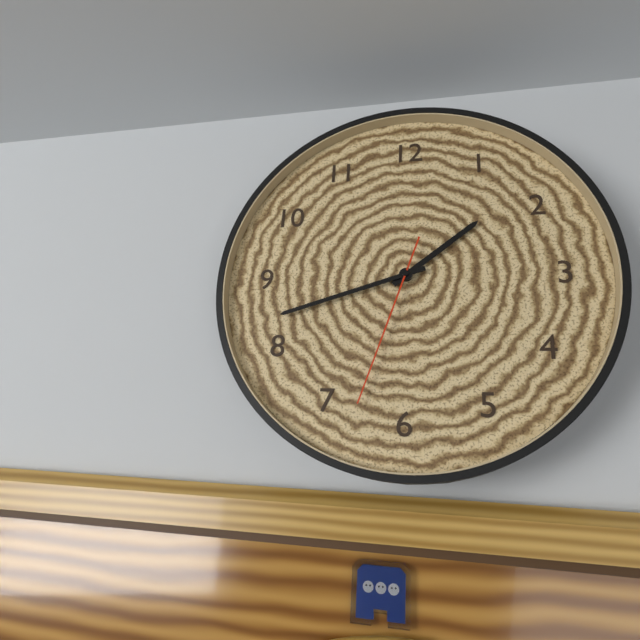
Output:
1.42.33
